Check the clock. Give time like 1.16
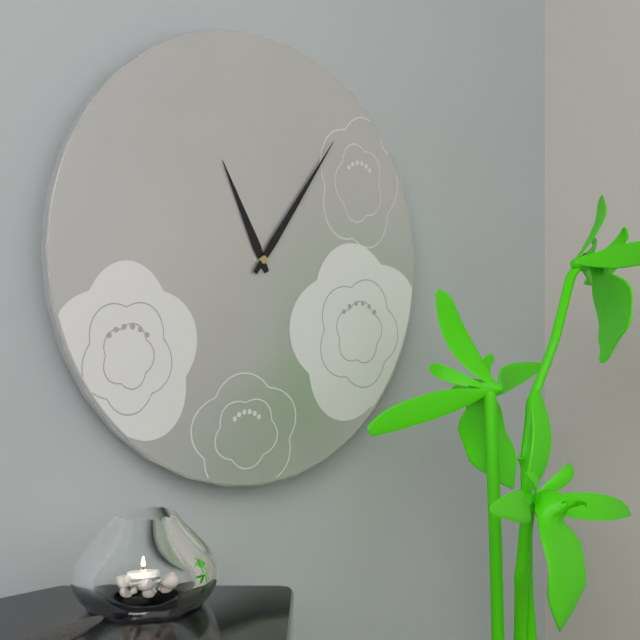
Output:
11.06
